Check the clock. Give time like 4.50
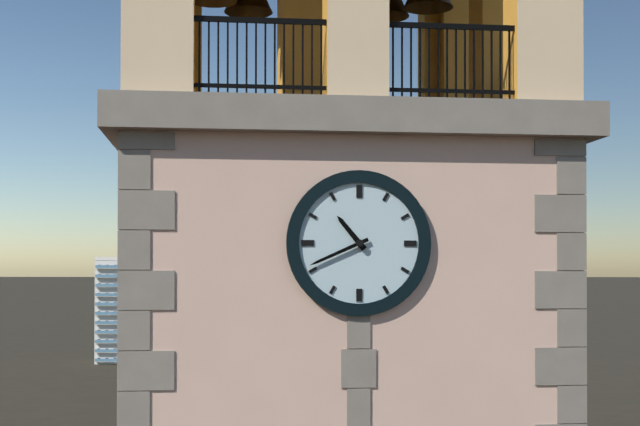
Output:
10.41
